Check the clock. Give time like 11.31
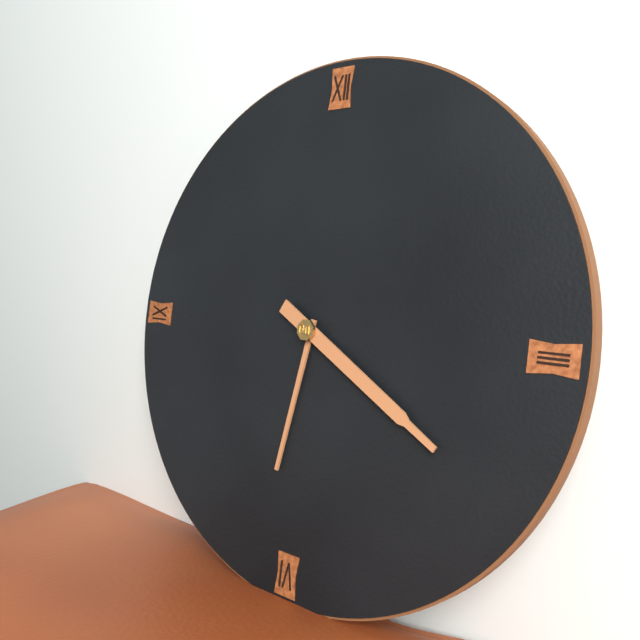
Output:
6.20
